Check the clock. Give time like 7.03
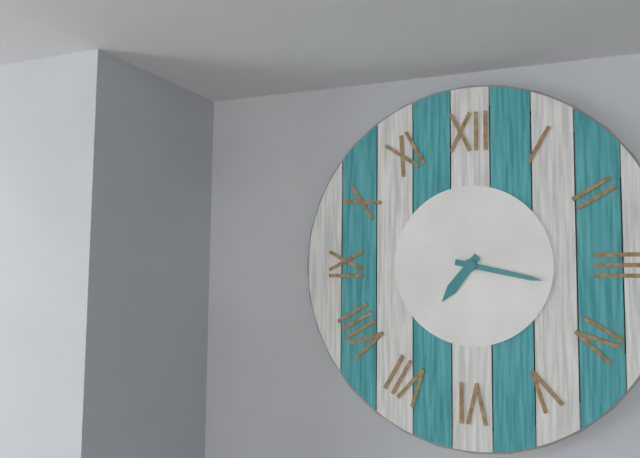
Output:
7.17
